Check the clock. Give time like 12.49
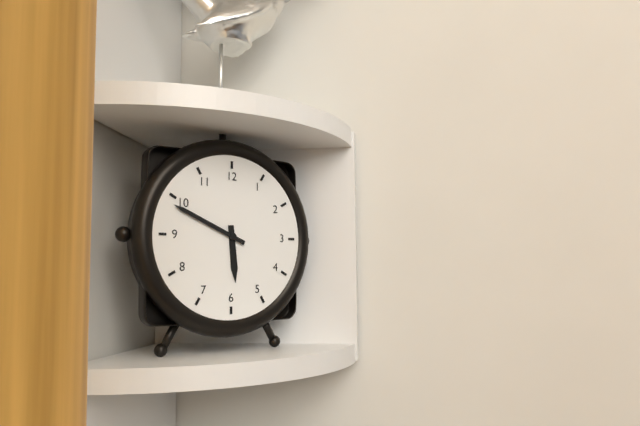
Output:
5.49
